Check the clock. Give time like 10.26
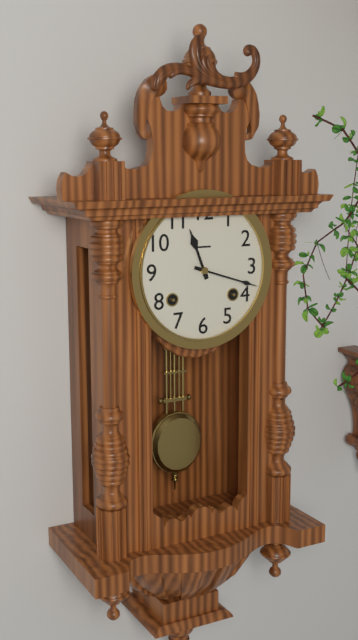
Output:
11.18
